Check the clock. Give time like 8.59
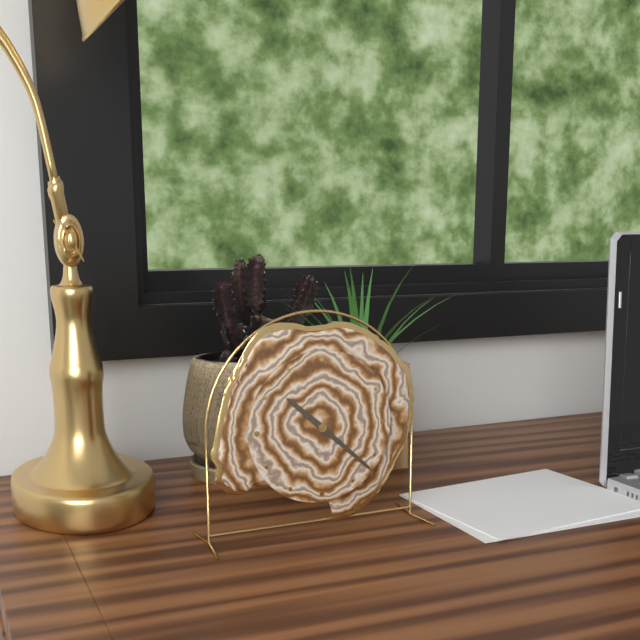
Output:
10.22
